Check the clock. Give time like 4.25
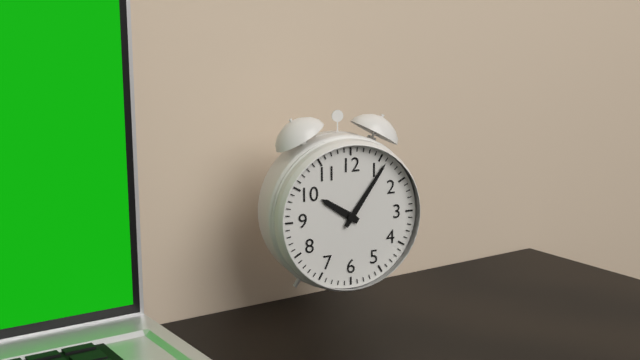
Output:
10.06
